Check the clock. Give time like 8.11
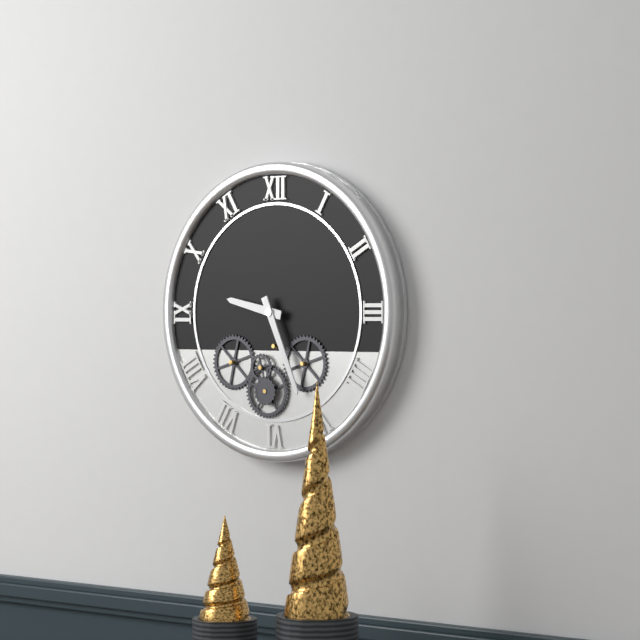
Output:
9.26
